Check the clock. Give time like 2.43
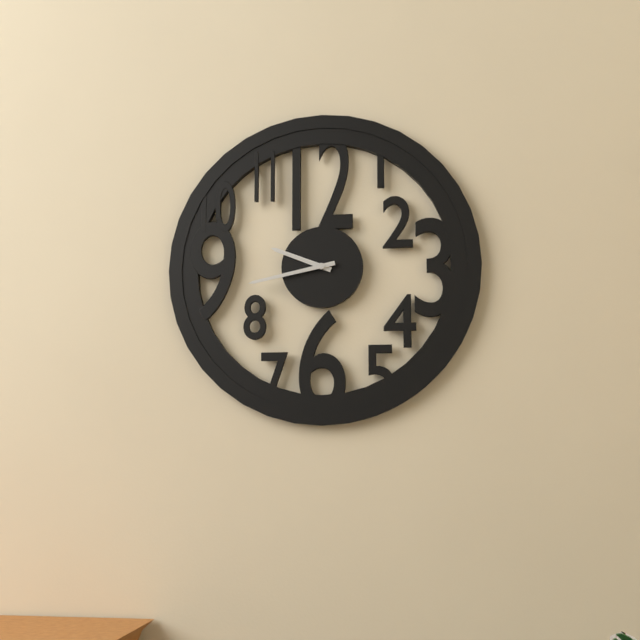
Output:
9.43
